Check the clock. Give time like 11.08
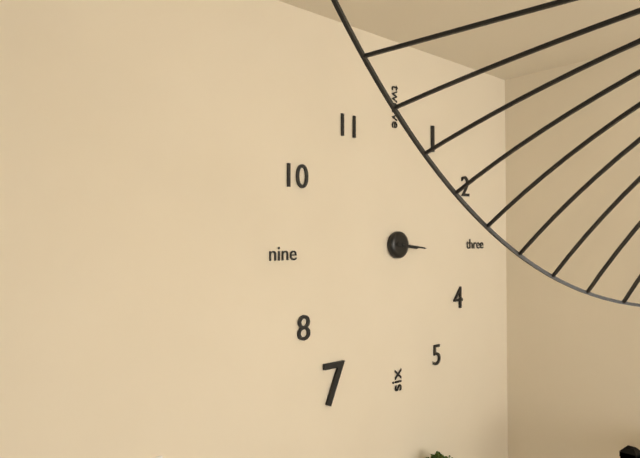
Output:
3.16
